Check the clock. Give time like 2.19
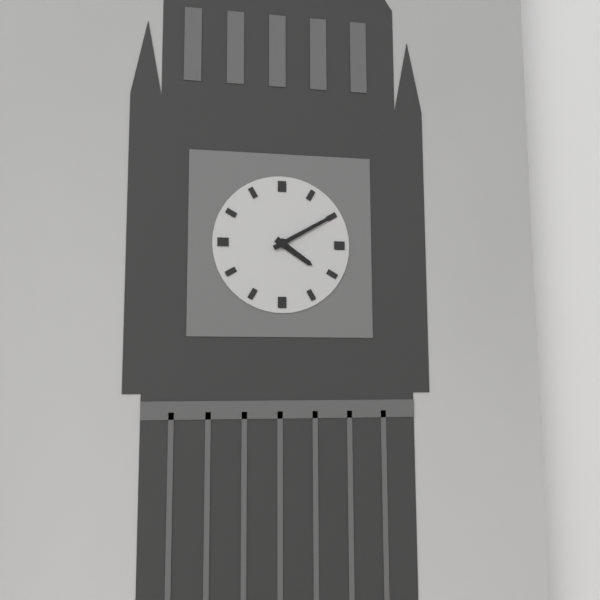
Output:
4.10
